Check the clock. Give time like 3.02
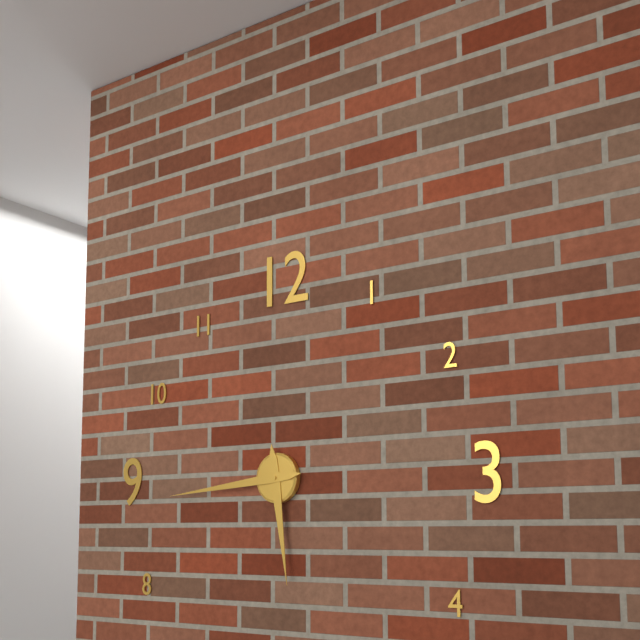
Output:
5.44
